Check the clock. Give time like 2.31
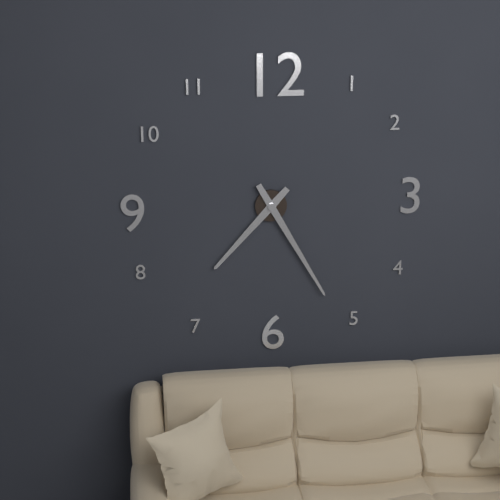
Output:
7.25
